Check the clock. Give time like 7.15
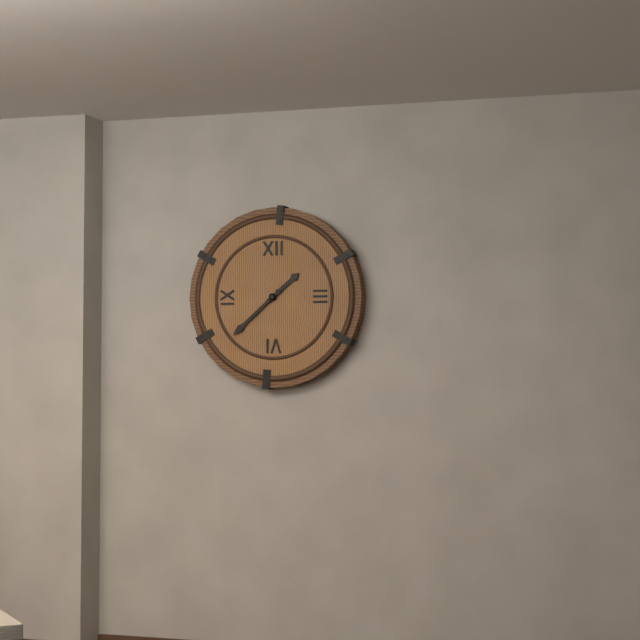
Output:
1.38
